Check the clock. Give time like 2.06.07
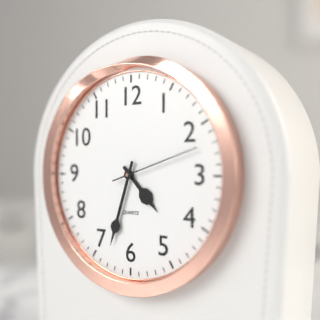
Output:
4.33.12
